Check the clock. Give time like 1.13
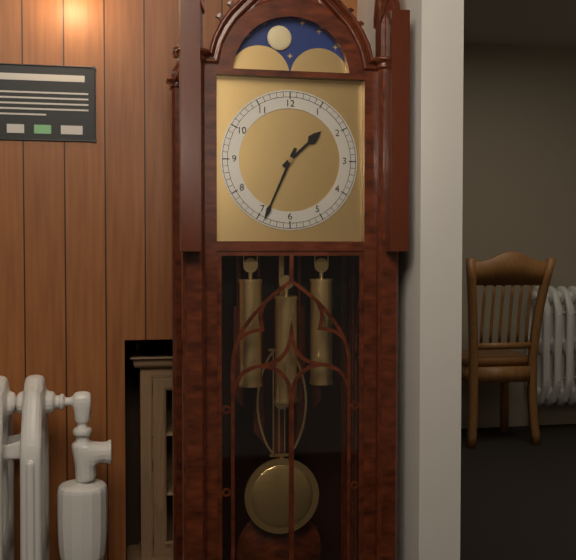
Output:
1.34
